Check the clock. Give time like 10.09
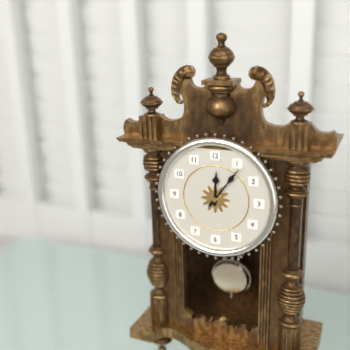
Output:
12.06
